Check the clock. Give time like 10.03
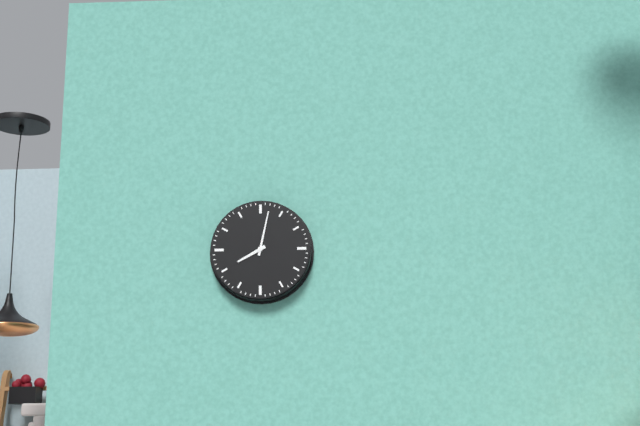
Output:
8.02
